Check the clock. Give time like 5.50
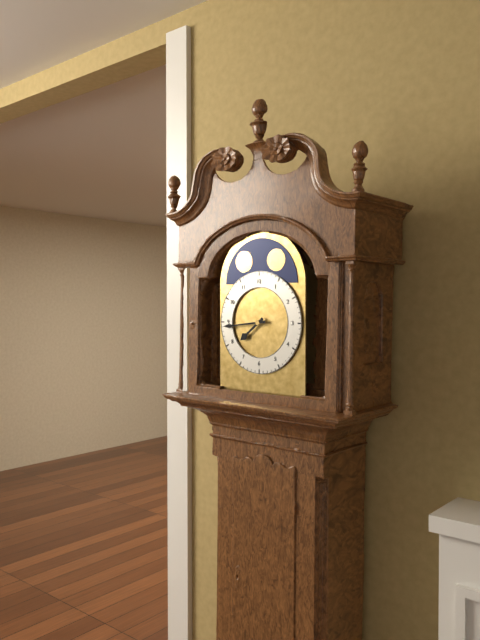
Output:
7.44
